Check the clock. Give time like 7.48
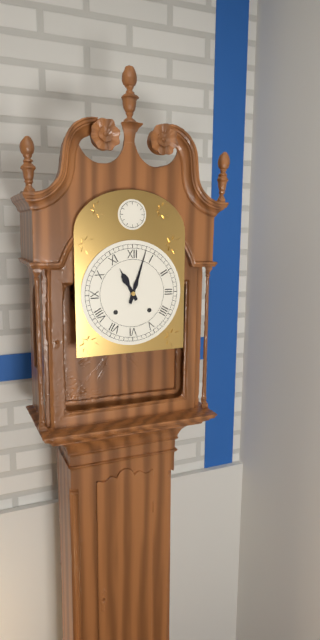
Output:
11.03
